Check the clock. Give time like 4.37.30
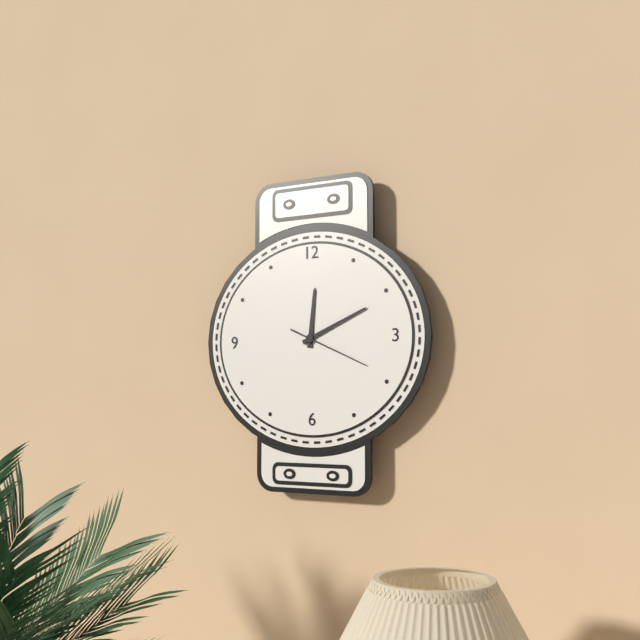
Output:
12.11.19
